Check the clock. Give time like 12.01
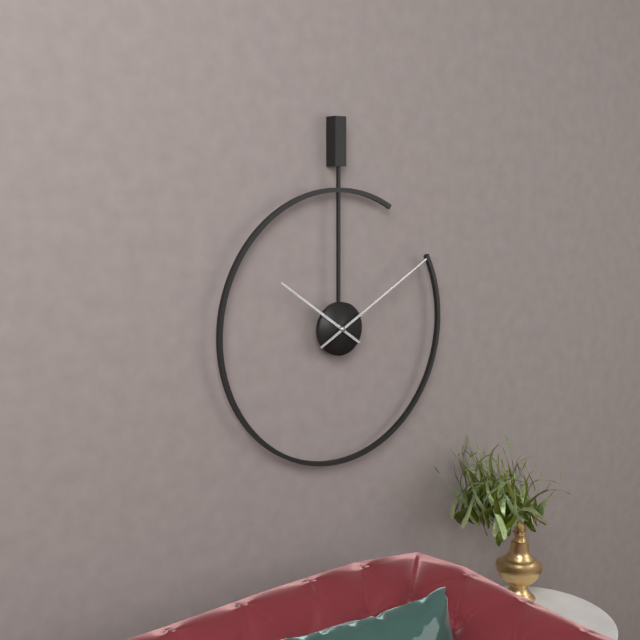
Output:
10.10
